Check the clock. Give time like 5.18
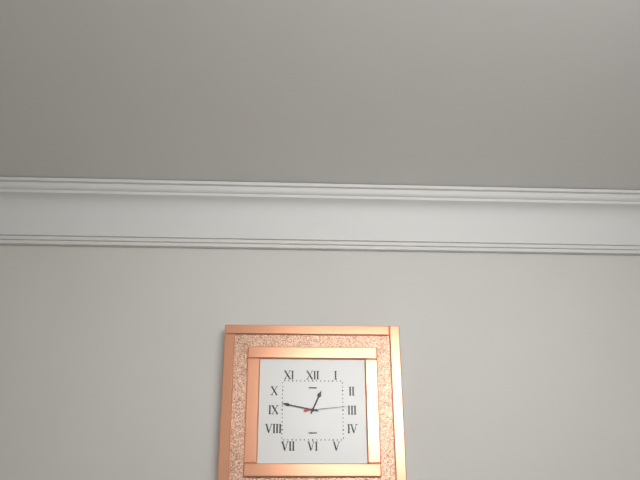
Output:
12.47
